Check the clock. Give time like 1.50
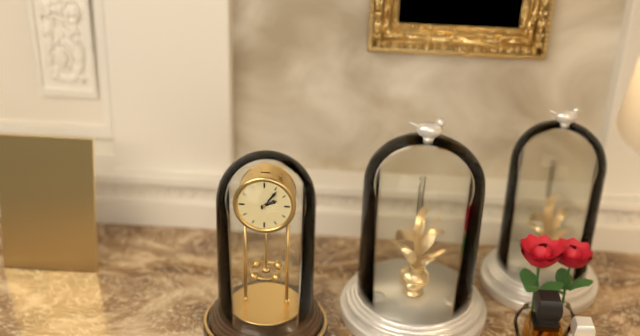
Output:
2.06
